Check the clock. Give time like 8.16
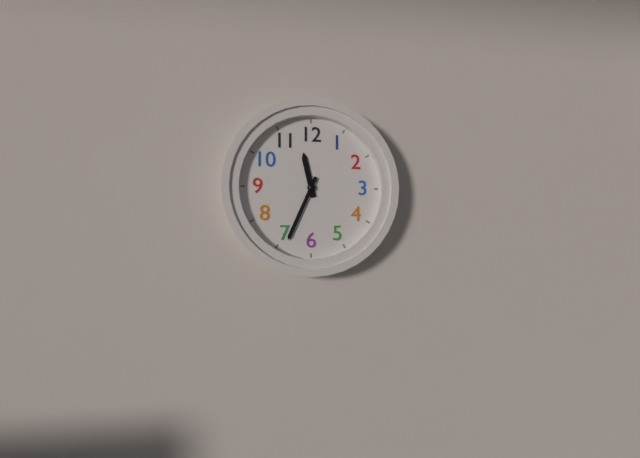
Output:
11.34
